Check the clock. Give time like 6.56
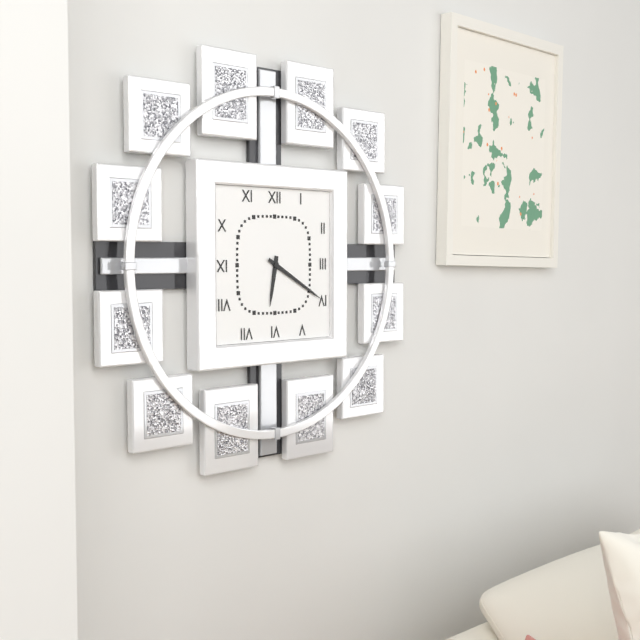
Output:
6.20
